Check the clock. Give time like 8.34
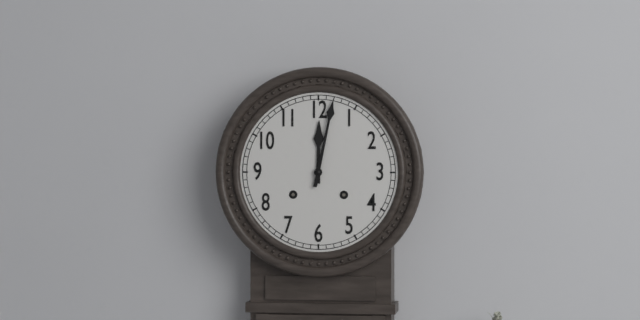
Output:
12.02
